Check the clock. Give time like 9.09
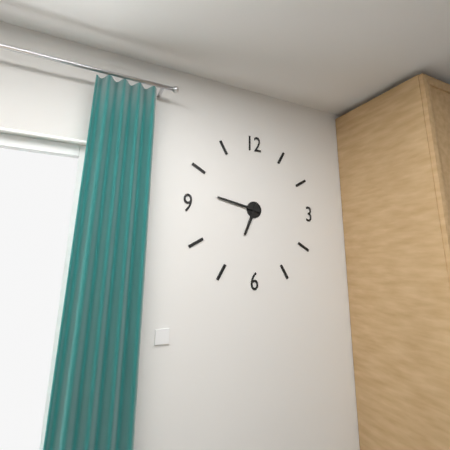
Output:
6.47
